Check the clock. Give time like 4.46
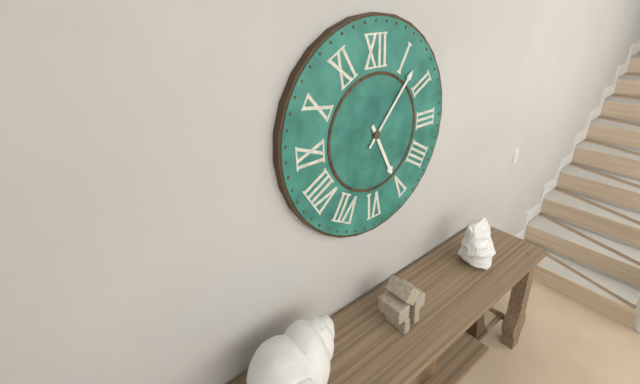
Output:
5.07
